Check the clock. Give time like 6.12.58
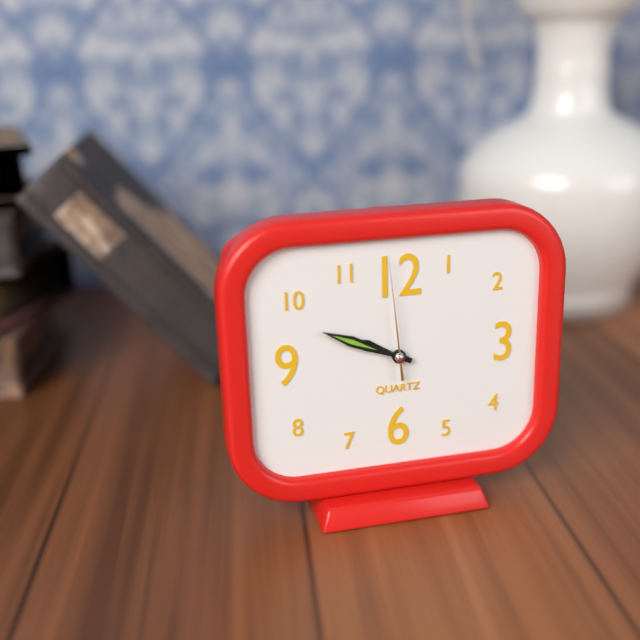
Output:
9.49.59
